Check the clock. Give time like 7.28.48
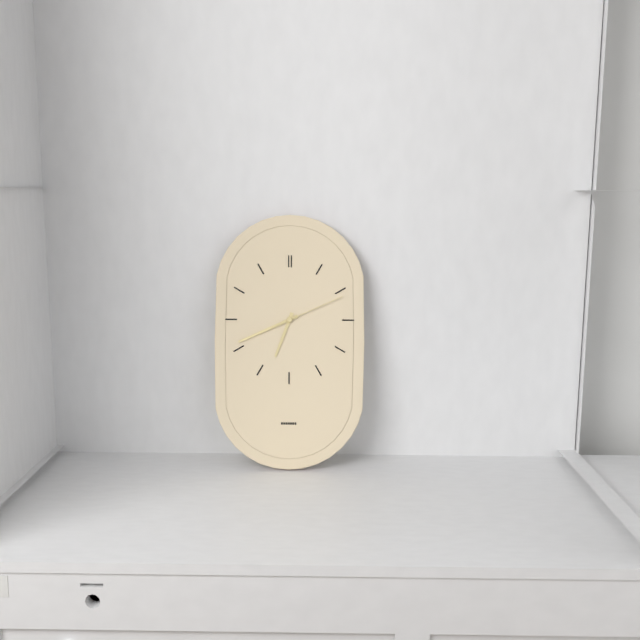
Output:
6.41.11
